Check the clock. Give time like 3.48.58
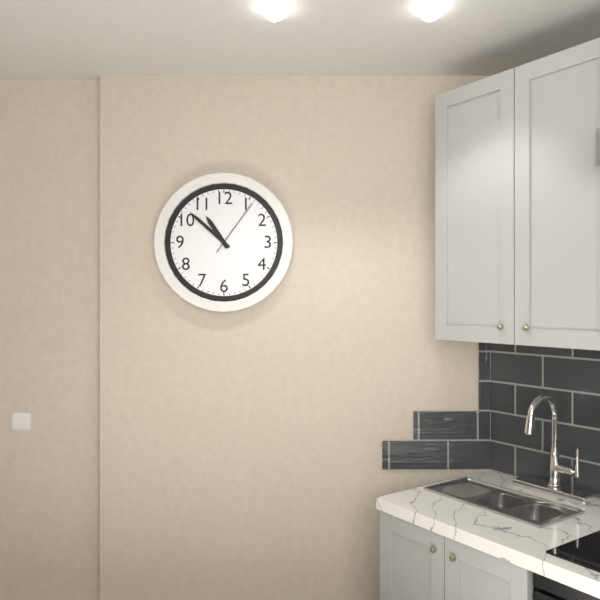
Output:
10.52.06
